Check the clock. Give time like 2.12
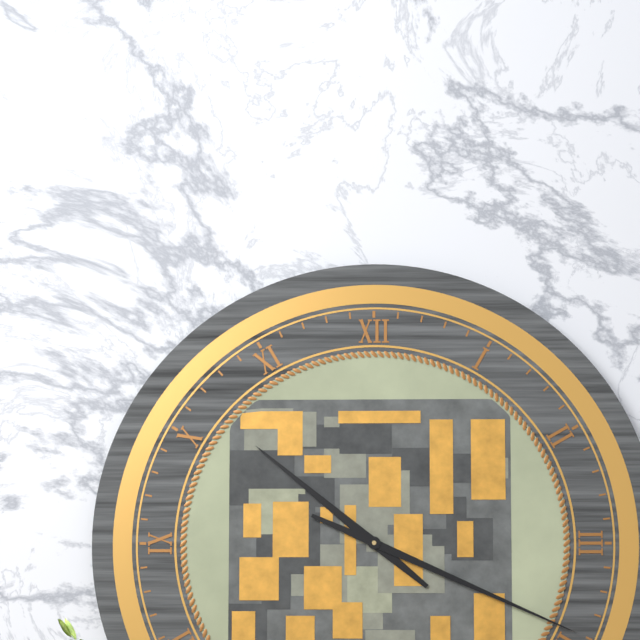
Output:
10.19
